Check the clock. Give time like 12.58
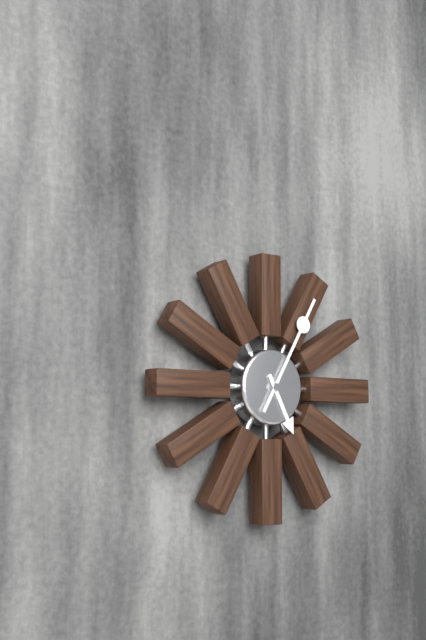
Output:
5.05
